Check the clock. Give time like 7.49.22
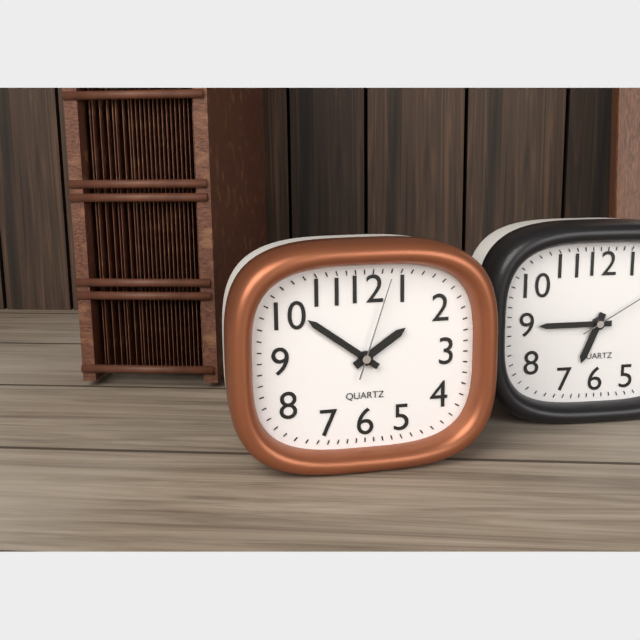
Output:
1.51.03
